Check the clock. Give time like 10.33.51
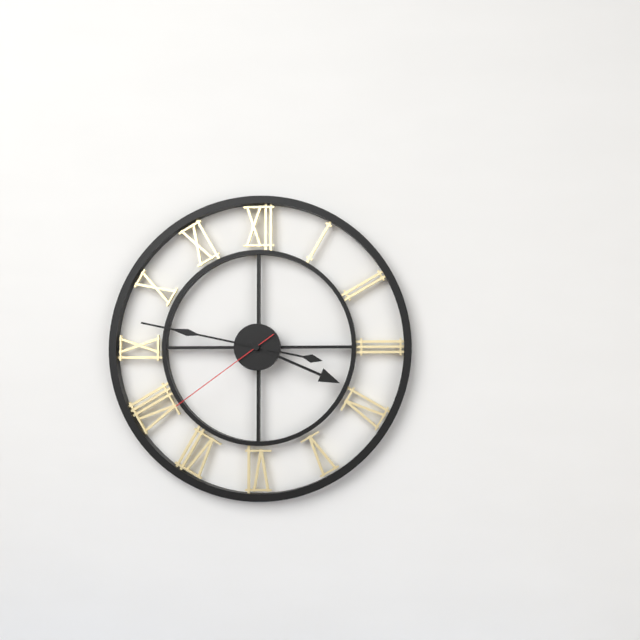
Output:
3.47.39
